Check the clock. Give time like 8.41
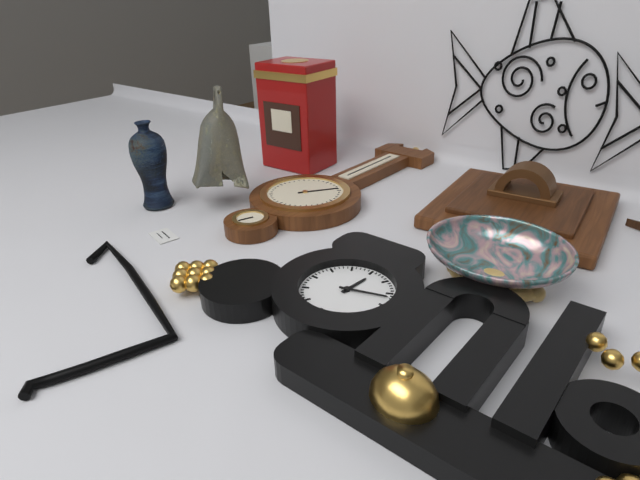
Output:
12.12
